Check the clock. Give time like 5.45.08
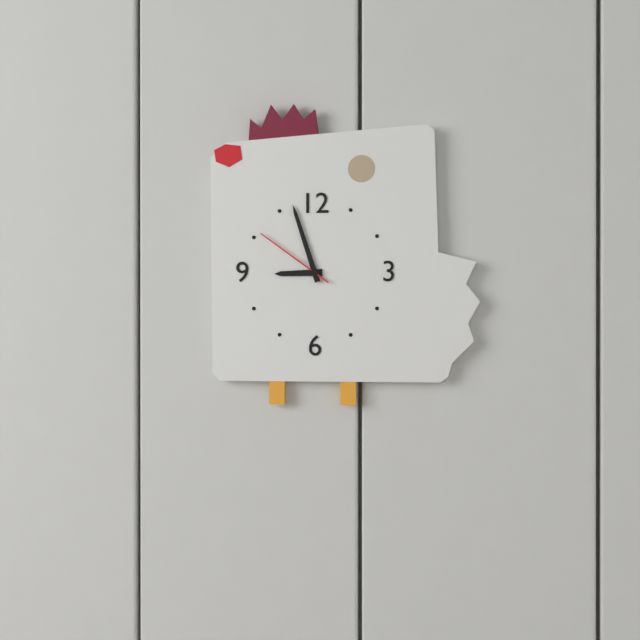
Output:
8.57.51
